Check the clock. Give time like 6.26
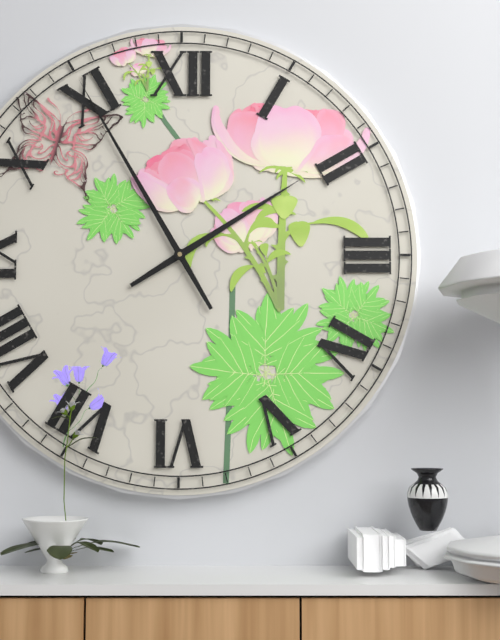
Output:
1.55
